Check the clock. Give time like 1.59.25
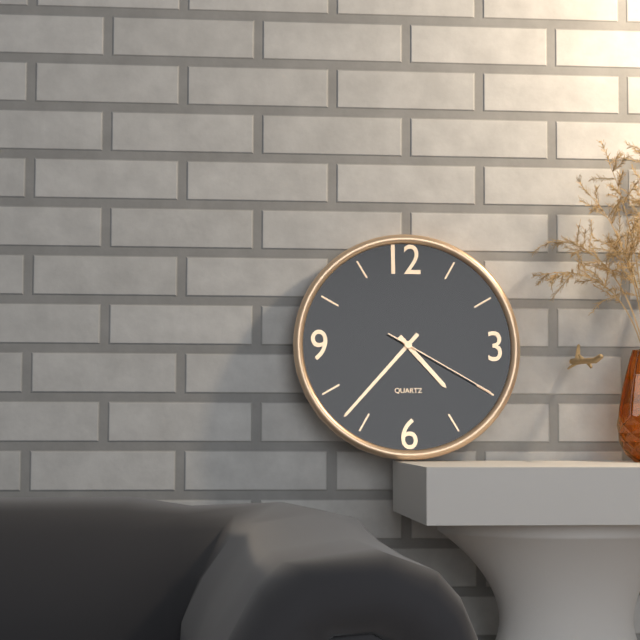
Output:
4.37.20
